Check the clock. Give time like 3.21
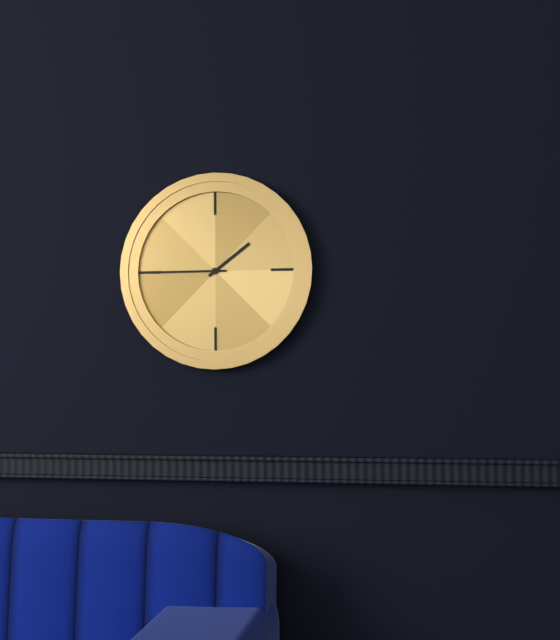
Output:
1.45
